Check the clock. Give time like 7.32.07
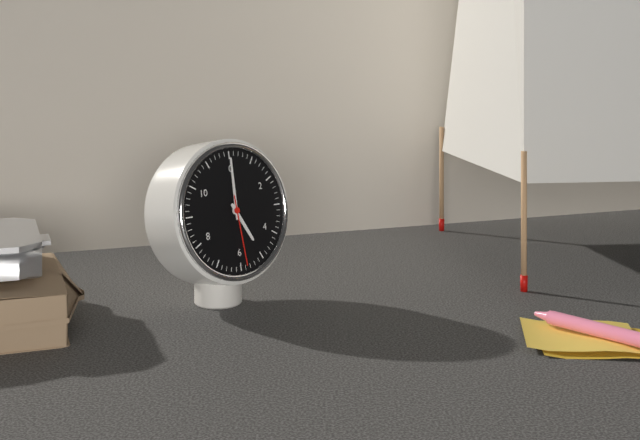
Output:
5.00.29
